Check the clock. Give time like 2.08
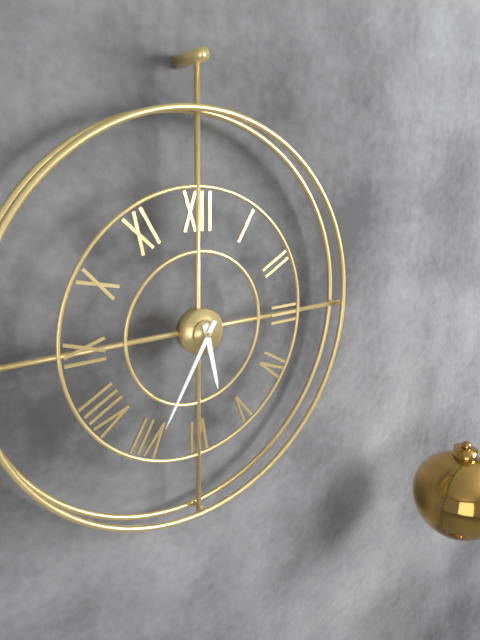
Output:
5.35
